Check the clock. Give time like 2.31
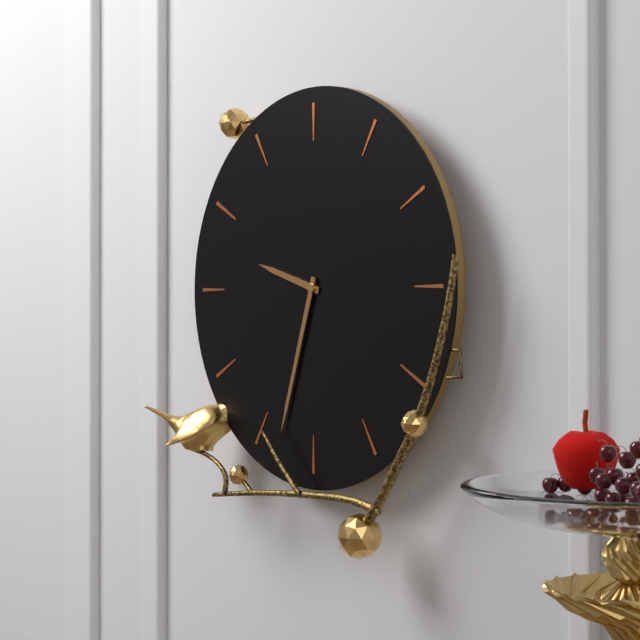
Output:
9.33
